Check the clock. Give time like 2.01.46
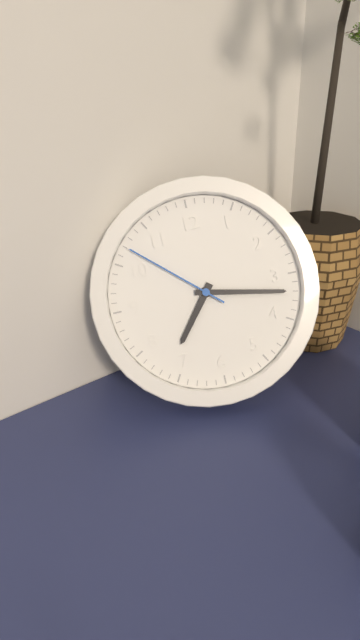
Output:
7.17.52
